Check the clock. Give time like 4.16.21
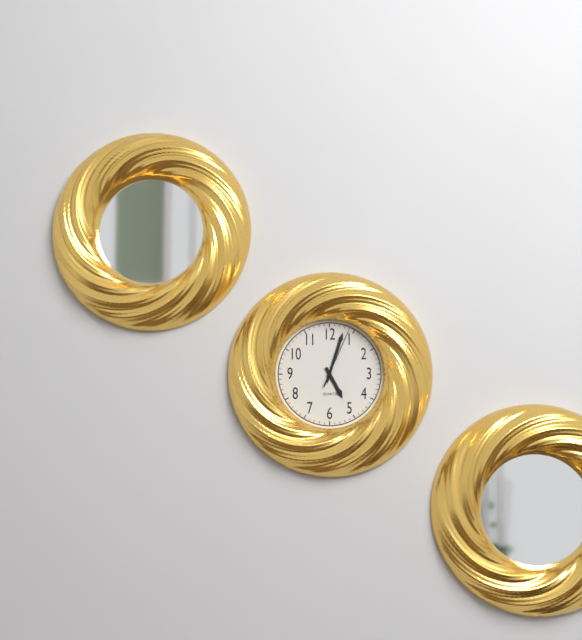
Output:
5.03.04
